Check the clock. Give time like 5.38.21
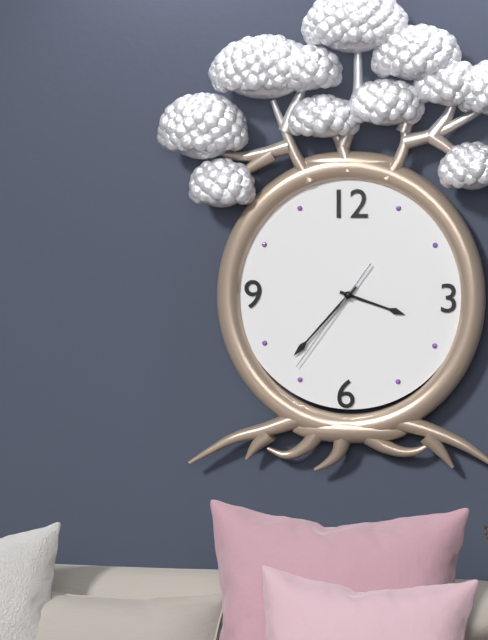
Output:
3.37.36
